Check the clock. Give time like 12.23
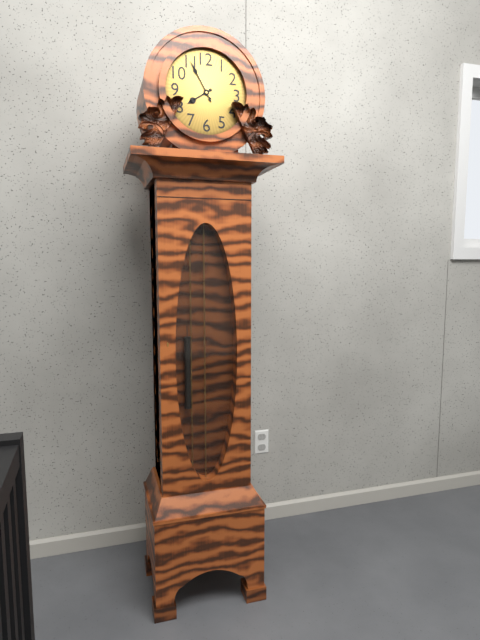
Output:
7.55
